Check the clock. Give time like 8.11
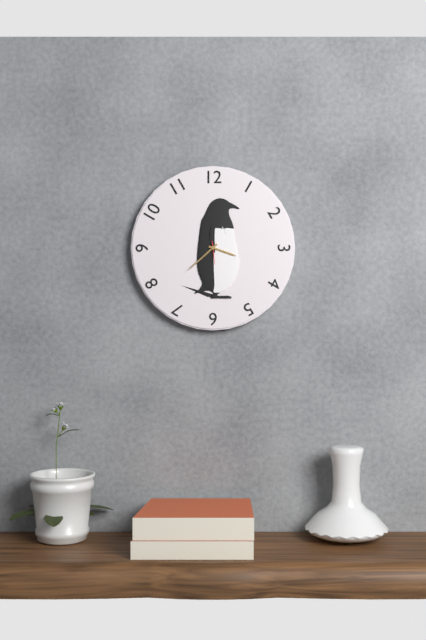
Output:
3.38
